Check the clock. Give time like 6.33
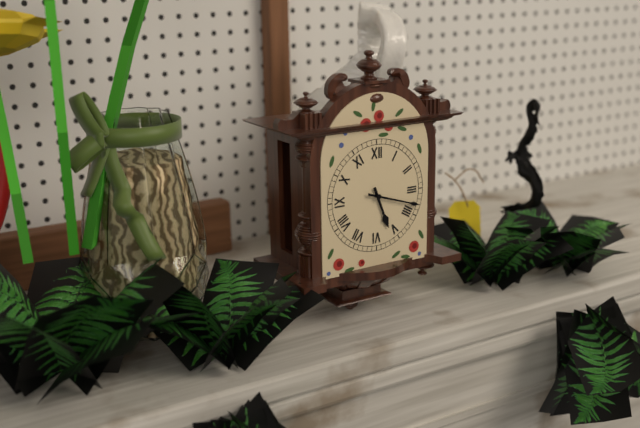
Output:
5.18
